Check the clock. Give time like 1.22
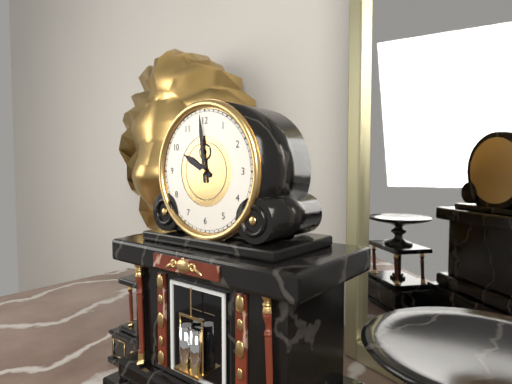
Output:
9.59
